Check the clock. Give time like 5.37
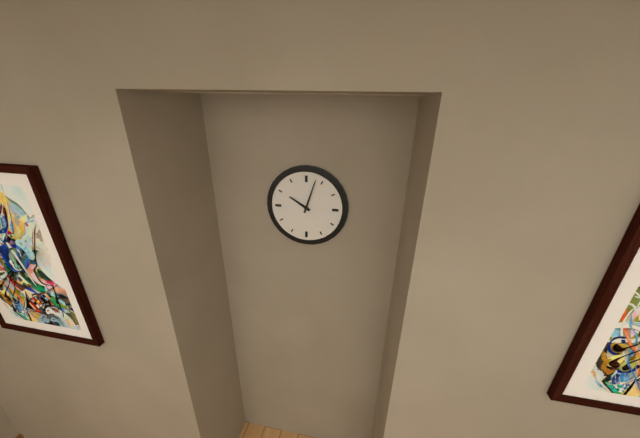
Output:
10.03
